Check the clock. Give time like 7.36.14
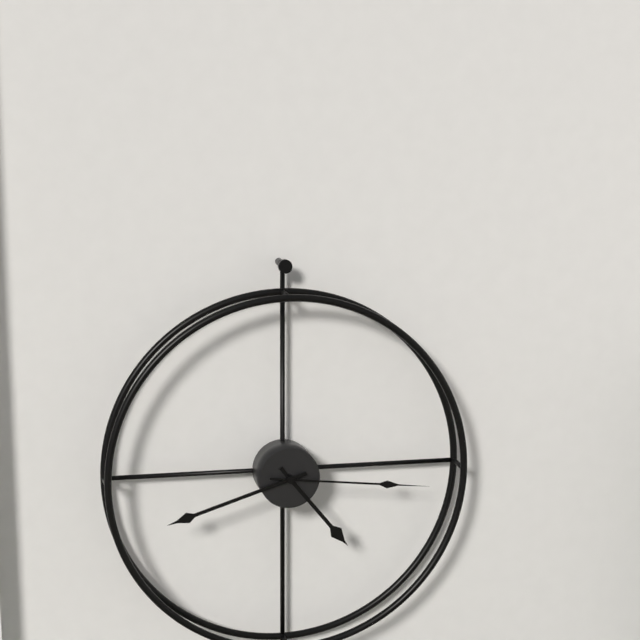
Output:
4.42.16
